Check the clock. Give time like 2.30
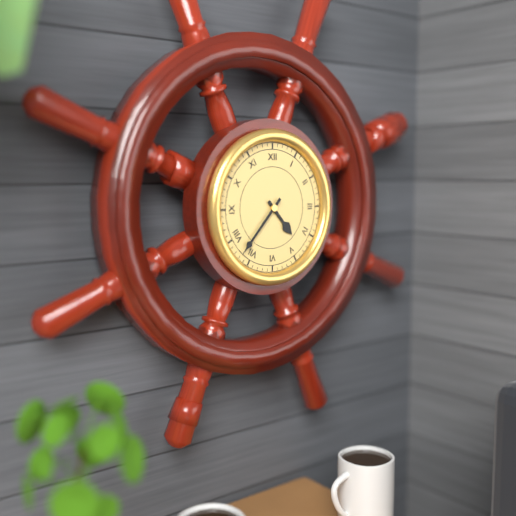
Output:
4.37
